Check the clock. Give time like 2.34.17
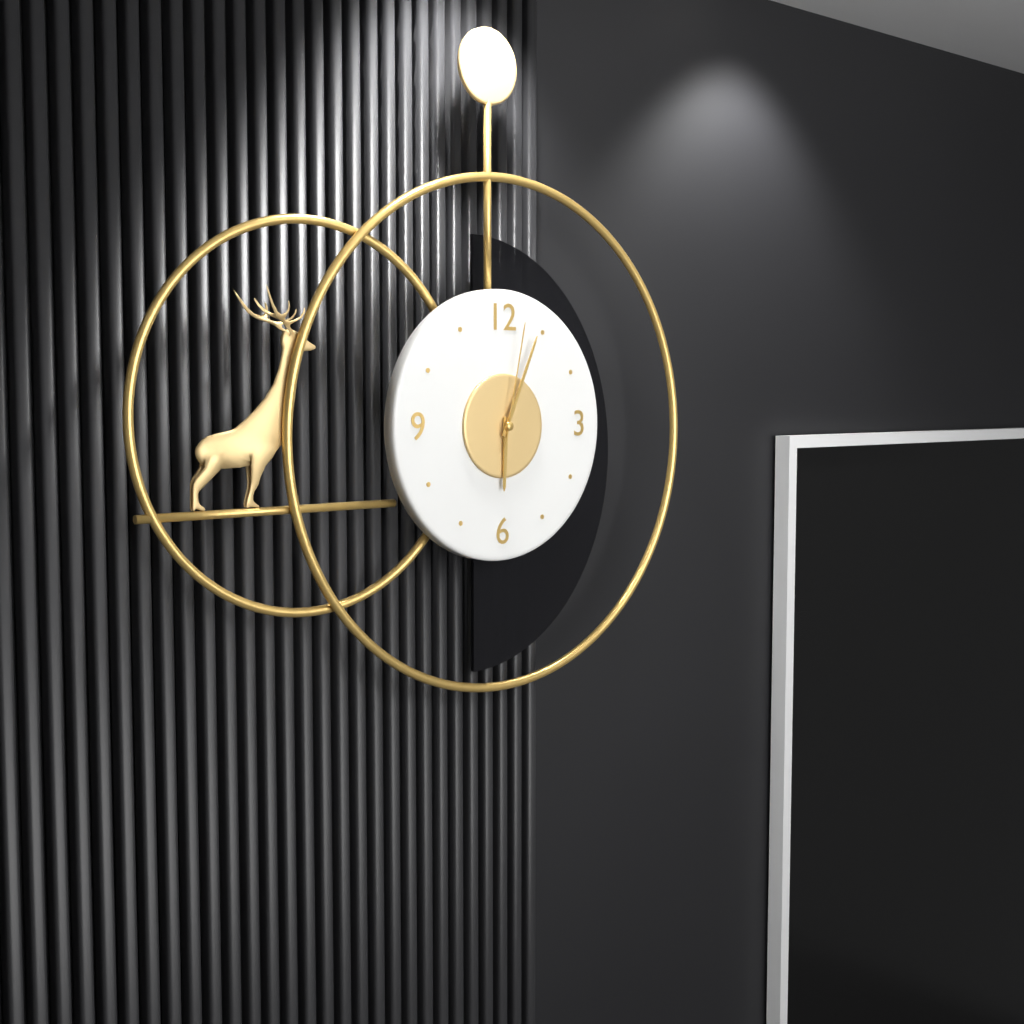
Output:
6.04.02
